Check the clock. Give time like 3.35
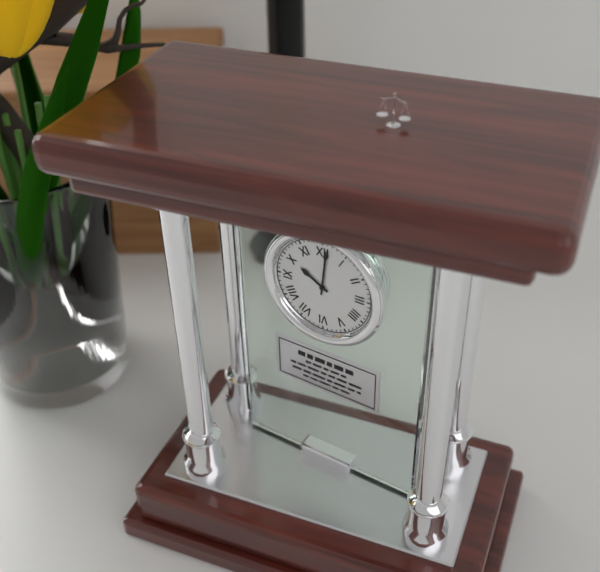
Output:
10.01
